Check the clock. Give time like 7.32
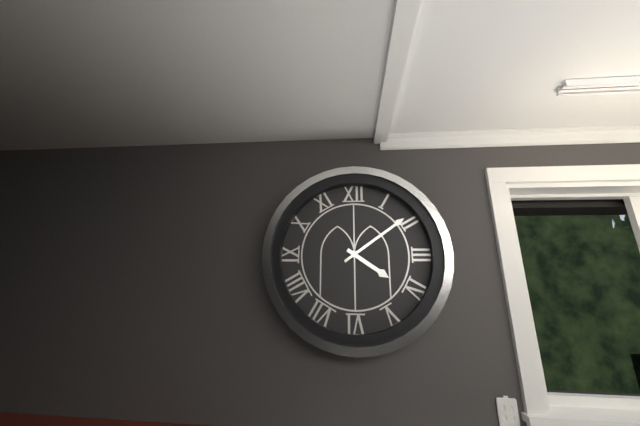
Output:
4.09
